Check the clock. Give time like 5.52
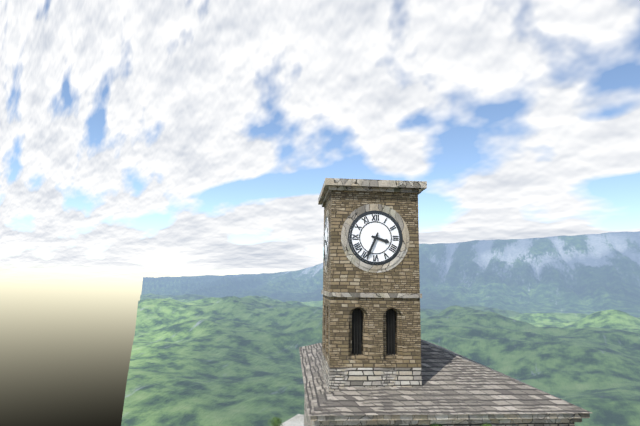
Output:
3.34
